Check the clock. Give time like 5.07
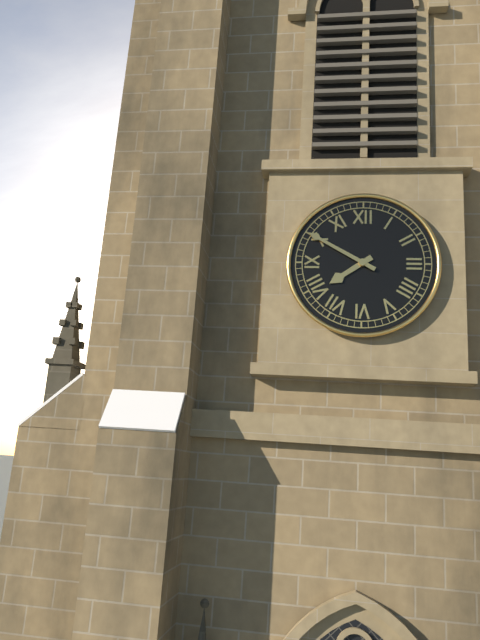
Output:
7.50
